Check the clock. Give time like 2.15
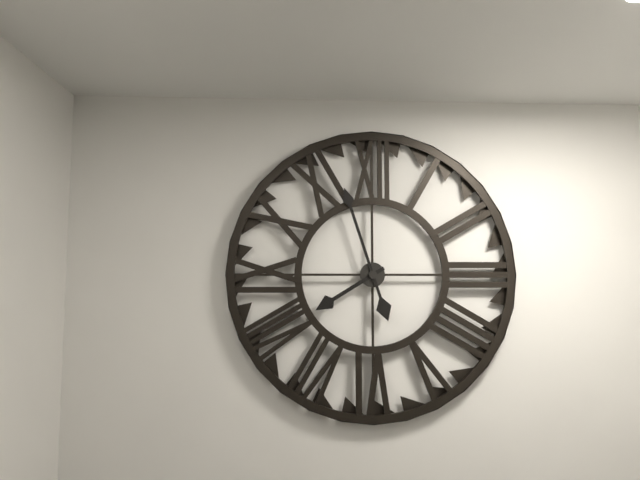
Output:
7.57
